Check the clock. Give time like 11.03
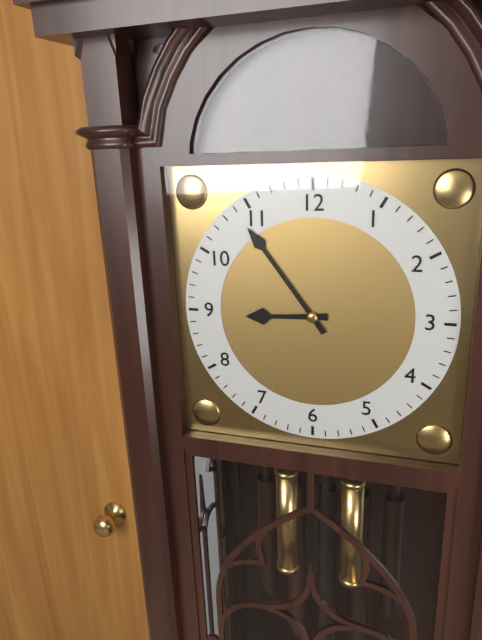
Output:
8.54
